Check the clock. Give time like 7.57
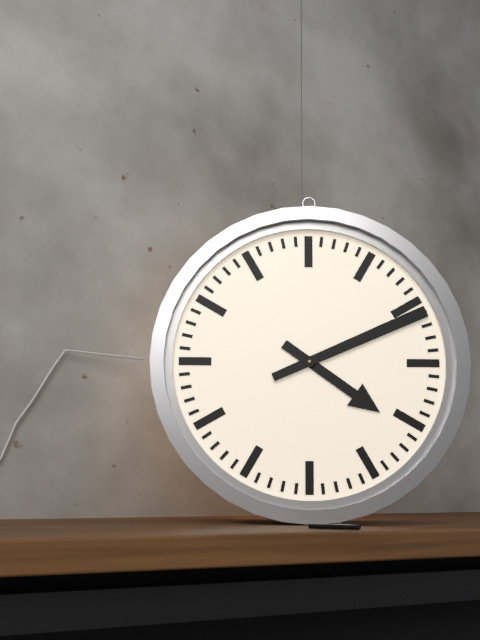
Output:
4.11
